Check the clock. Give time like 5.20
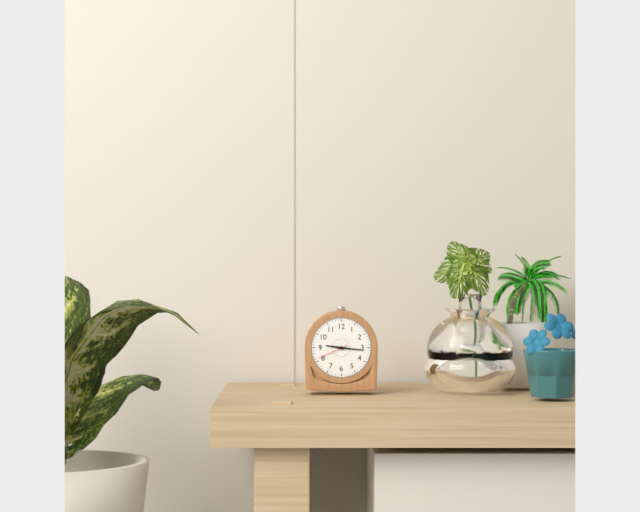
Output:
9.16
